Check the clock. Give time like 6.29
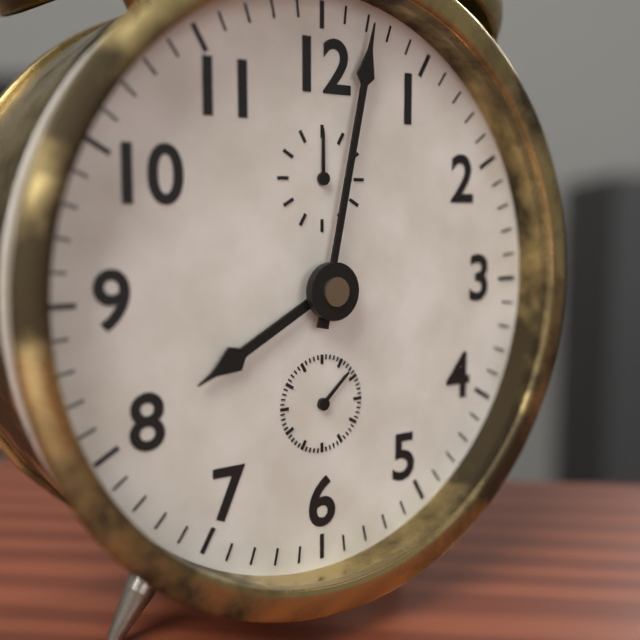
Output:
8.02
